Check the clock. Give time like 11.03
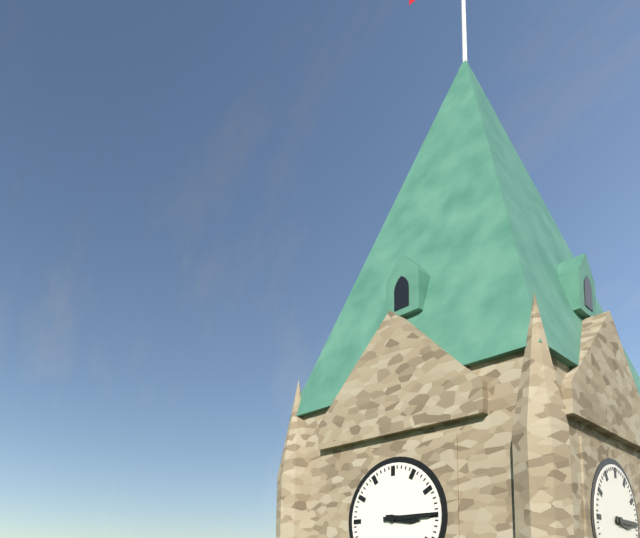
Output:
3.15
